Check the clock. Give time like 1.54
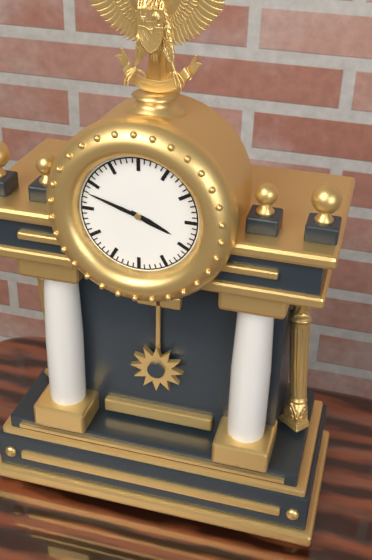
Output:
3.48
